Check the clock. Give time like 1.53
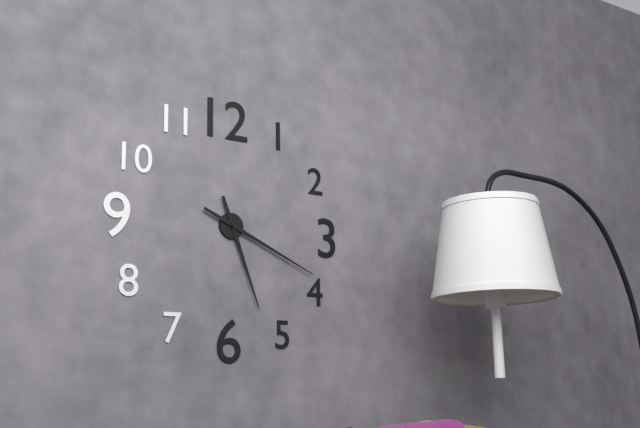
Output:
5.19
